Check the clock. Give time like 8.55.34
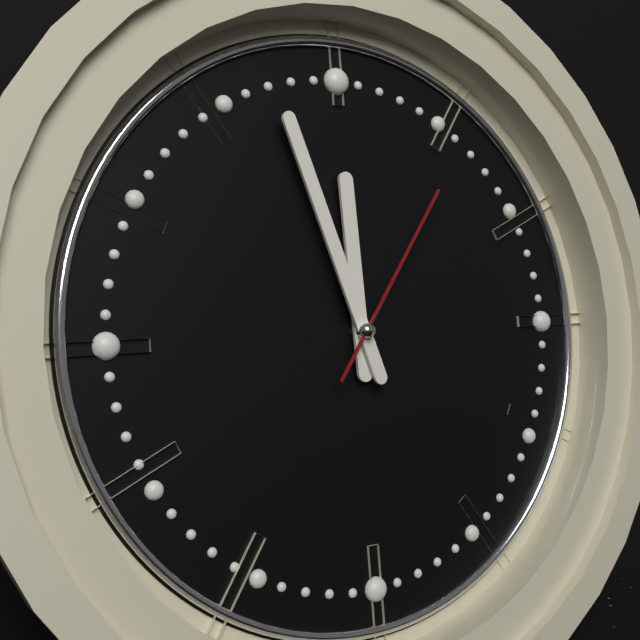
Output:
11.57.06
